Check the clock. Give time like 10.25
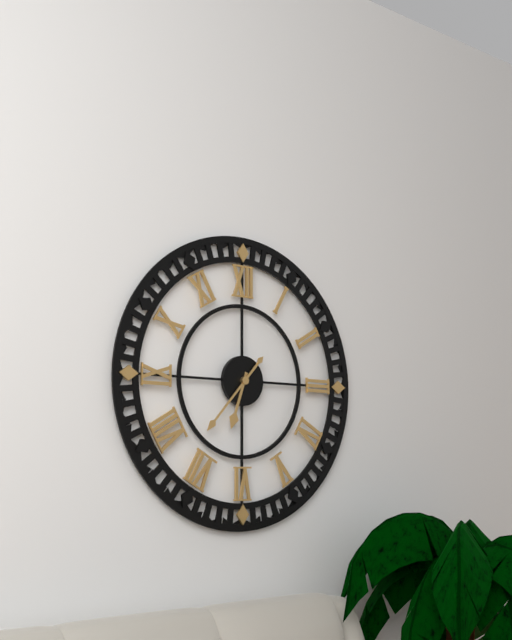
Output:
6.37
